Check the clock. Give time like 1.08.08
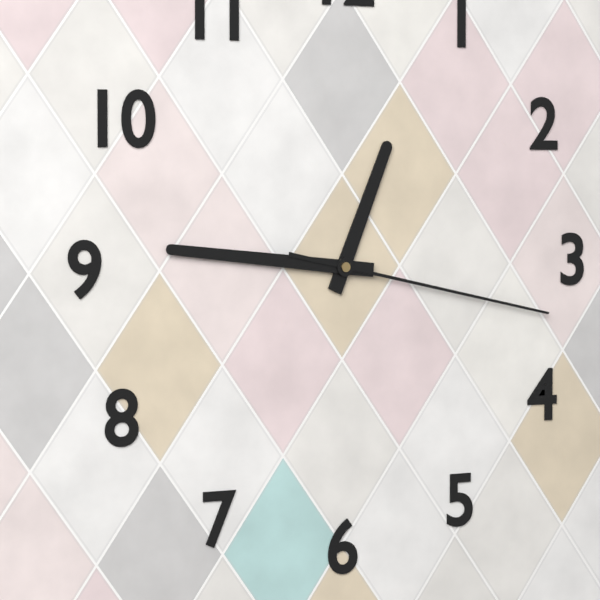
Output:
12.46.17
